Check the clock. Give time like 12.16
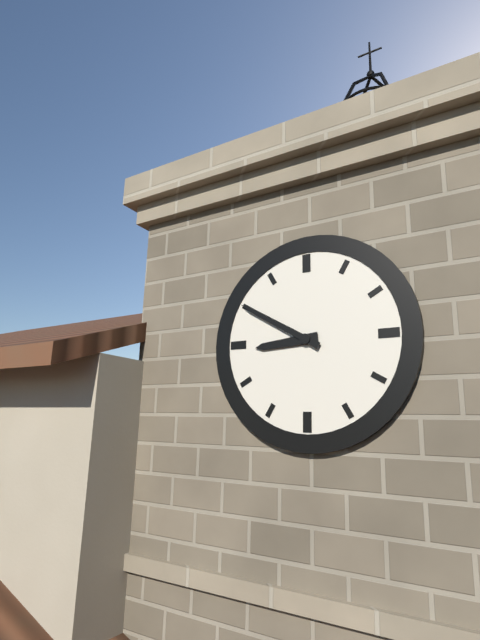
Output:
8.50
